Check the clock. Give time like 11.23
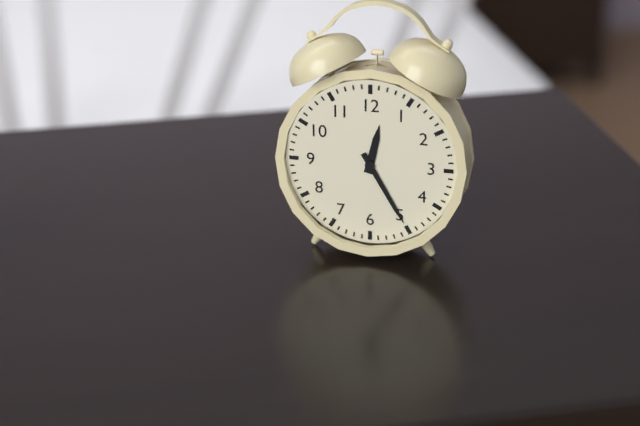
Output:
12.25
